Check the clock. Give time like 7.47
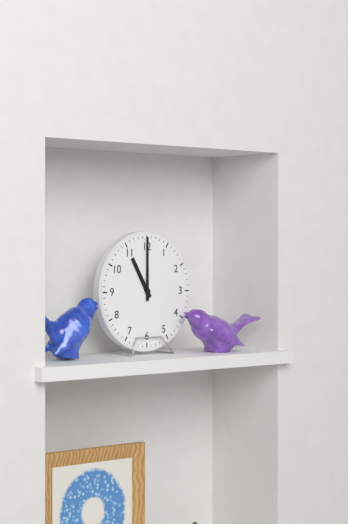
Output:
11.00
